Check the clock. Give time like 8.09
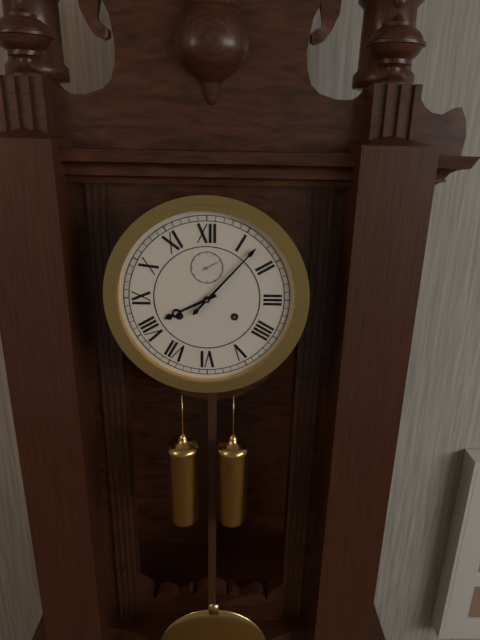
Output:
8.07
